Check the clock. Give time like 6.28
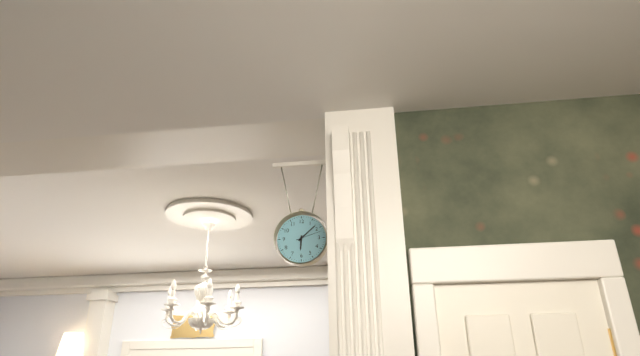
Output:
6.08
